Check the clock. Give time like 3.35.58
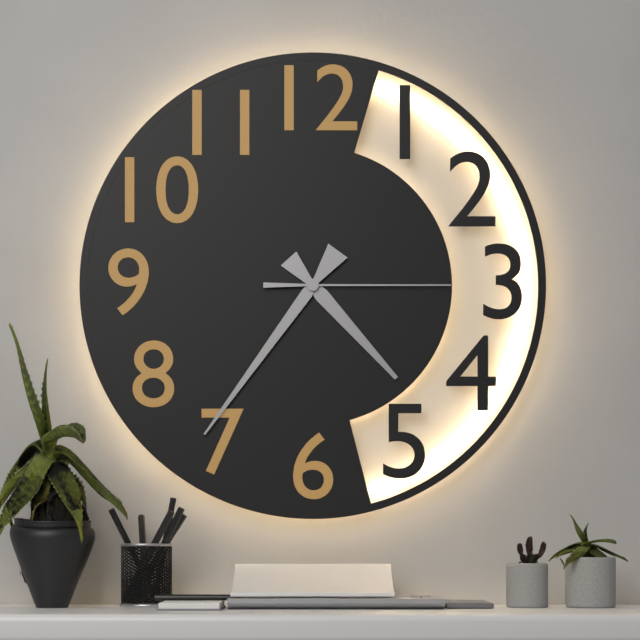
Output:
4.36.15
